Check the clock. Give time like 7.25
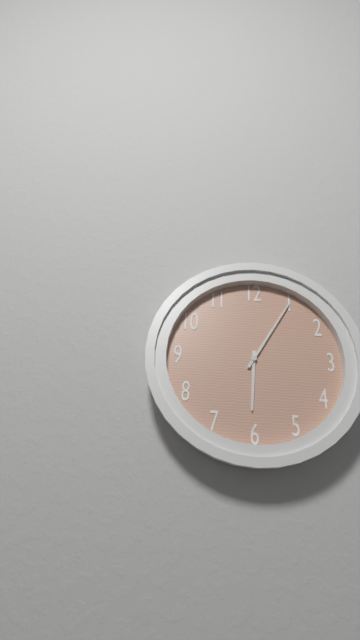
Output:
6.05
